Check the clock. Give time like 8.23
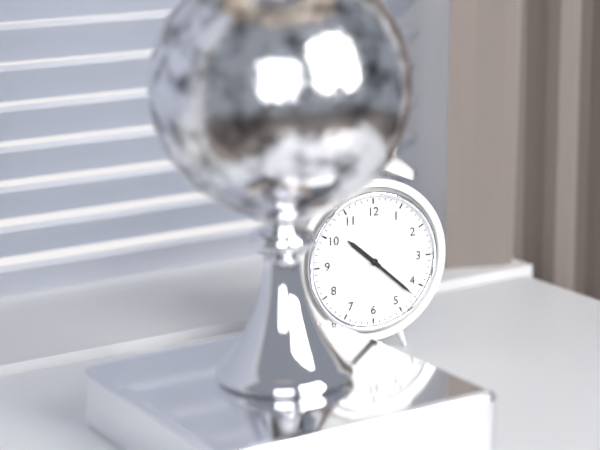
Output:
10.22
